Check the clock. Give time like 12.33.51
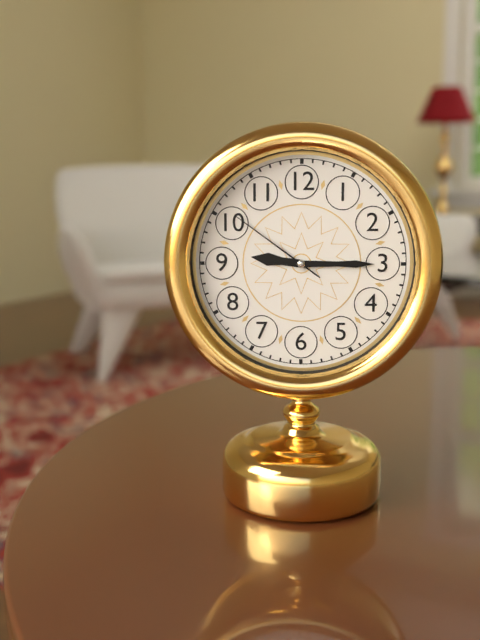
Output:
9.15.51
